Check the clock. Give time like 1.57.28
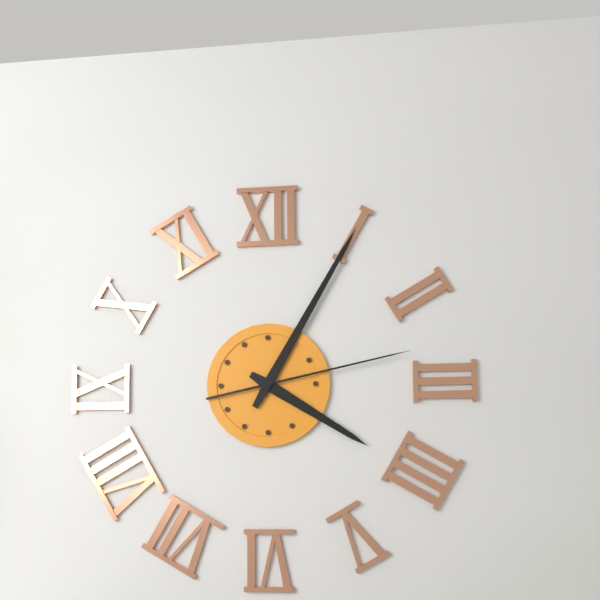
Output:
4.05.13
